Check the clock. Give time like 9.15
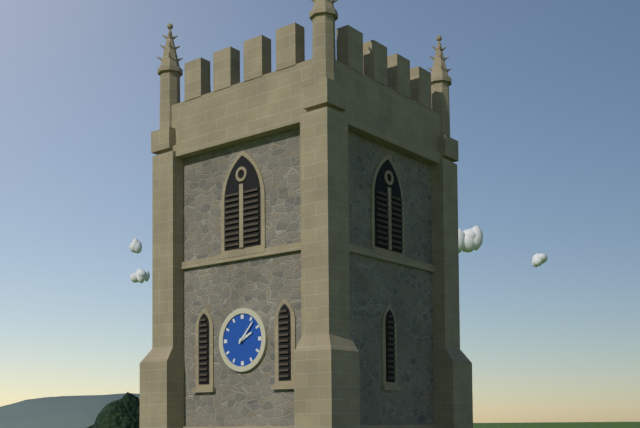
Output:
2.07
